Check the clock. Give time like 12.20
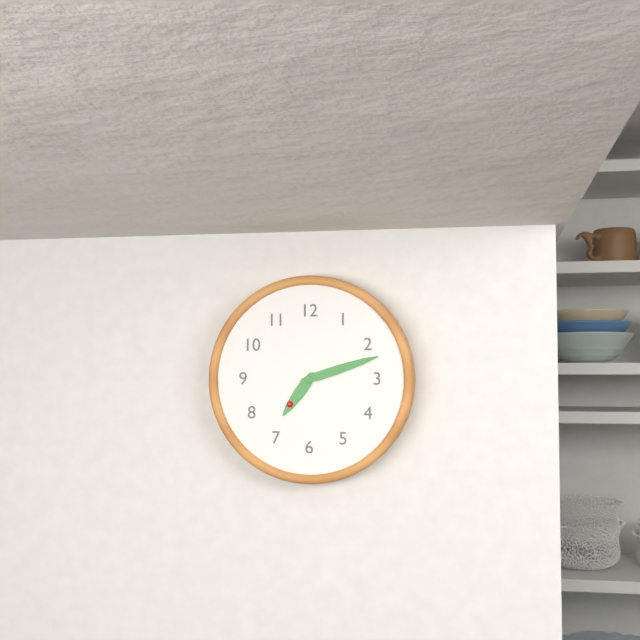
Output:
7.12
